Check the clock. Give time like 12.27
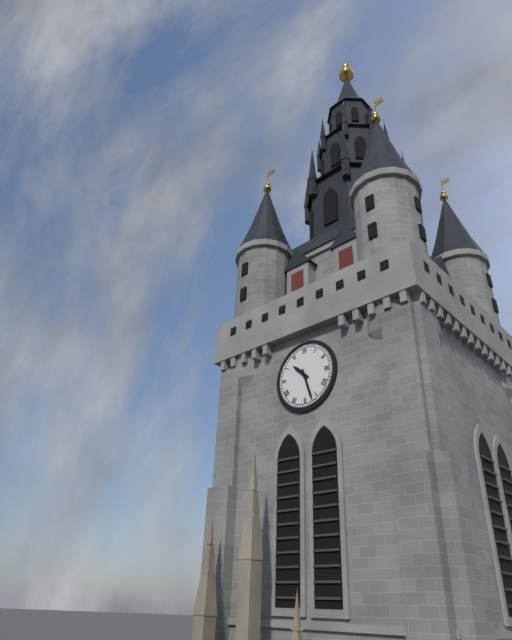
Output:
10.27
